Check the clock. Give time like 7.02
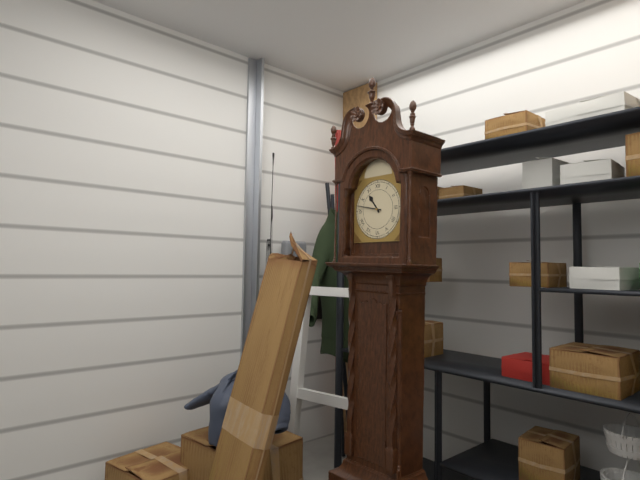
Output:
10.47
